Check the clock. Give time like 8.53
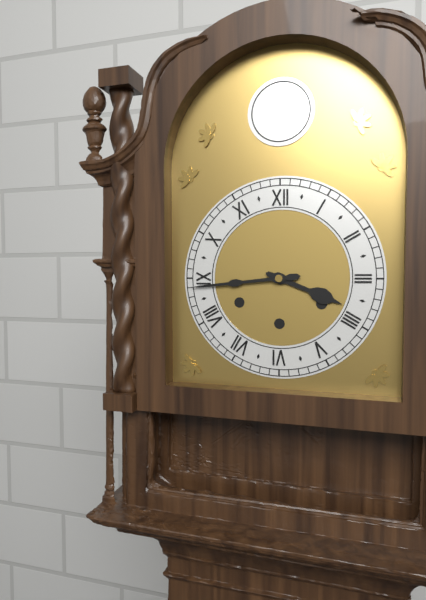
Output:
3.44
